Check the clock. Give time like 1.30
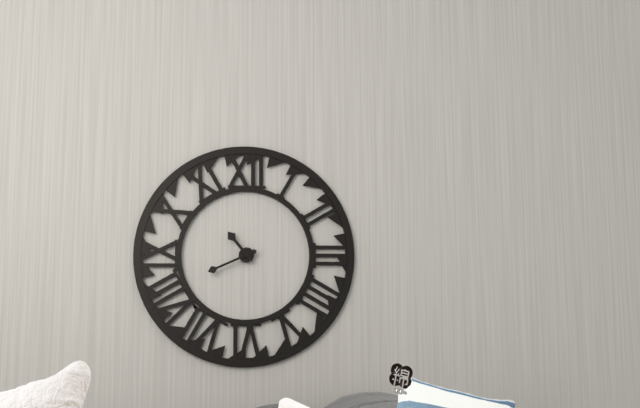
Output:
10.41
